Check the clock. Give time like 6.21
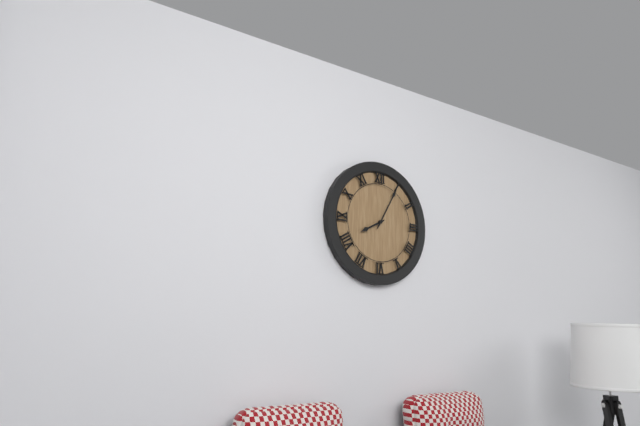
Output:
8.05
